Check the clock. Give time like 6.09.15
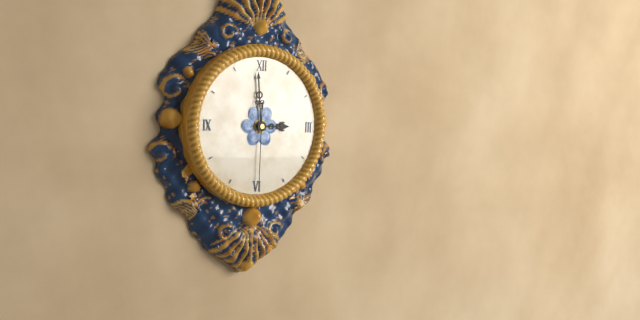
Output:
2.59.30
